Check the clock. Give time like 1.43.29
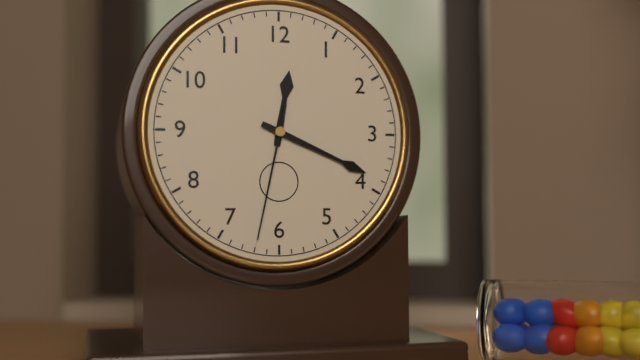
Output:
12.19.32
